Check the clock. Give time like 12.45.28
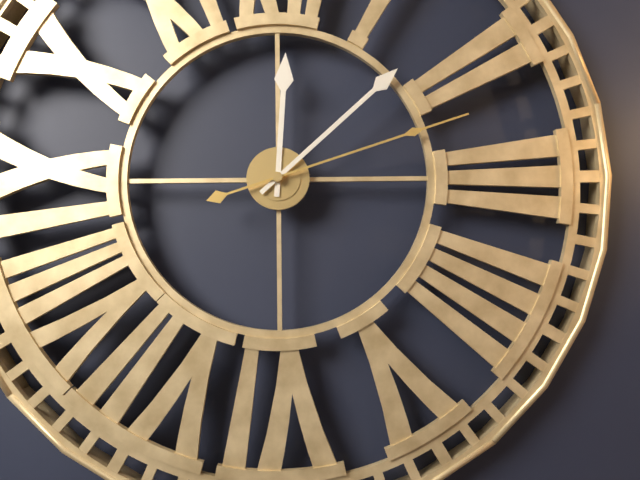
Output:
12.08.12
